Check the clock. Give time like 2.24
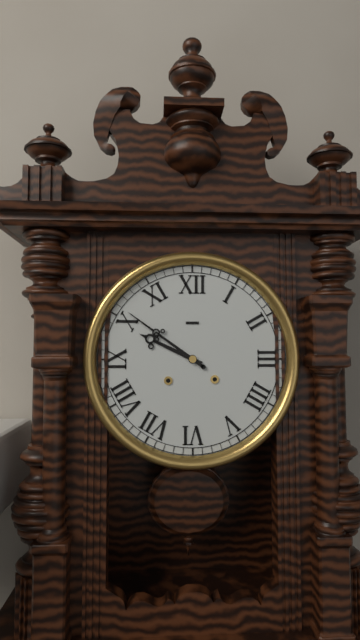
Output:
9.51
